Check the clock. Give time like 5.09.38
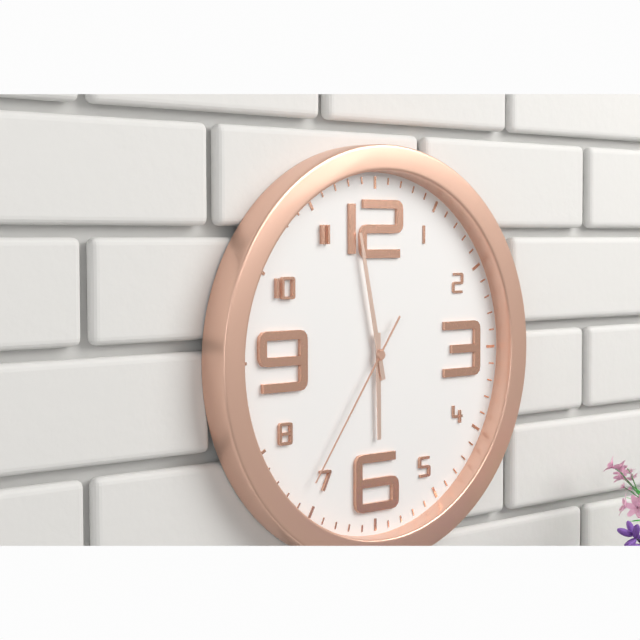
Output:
5.58.36
